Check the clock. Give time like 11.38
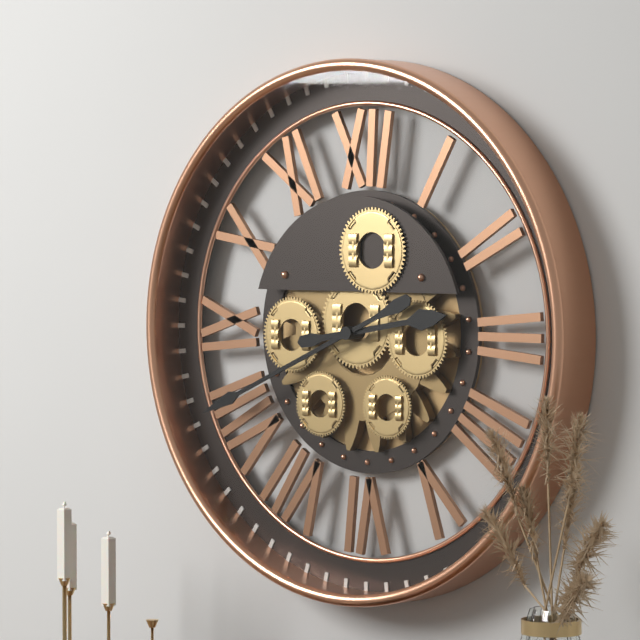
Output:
2.41
